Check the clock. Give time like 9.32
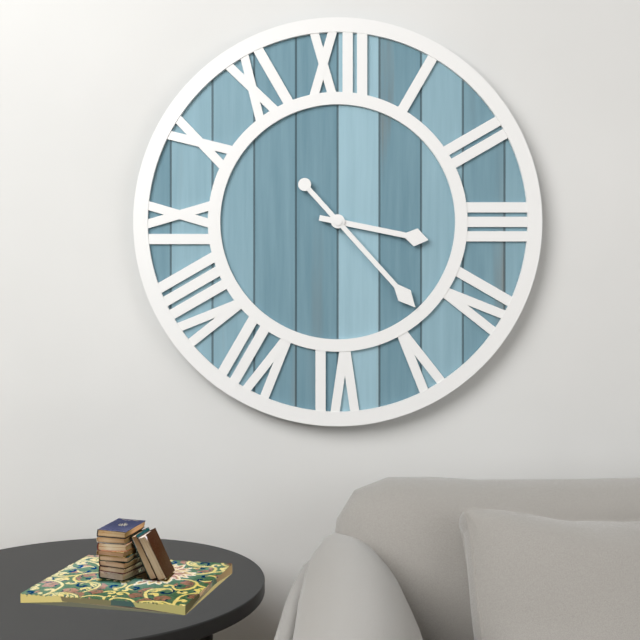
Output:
3.23
